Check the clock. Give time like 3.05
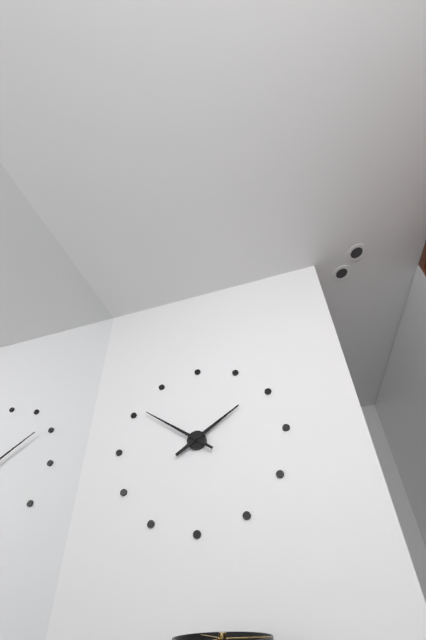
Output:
1.51
